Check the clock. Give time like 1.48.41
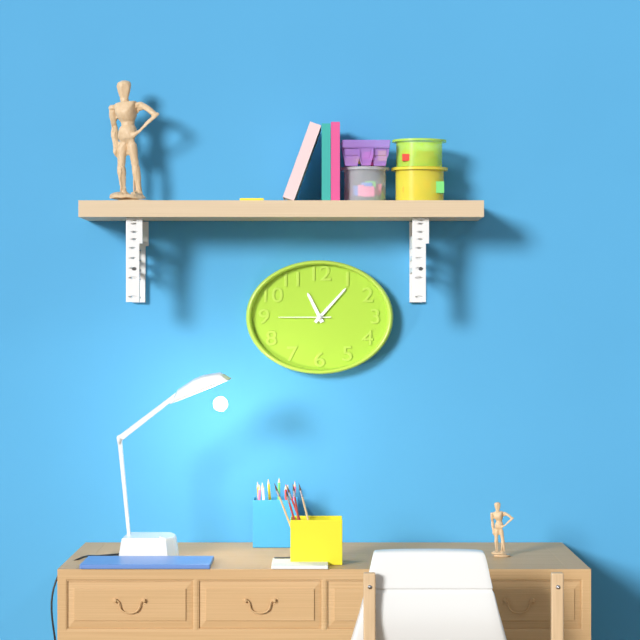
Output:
11.07.45
